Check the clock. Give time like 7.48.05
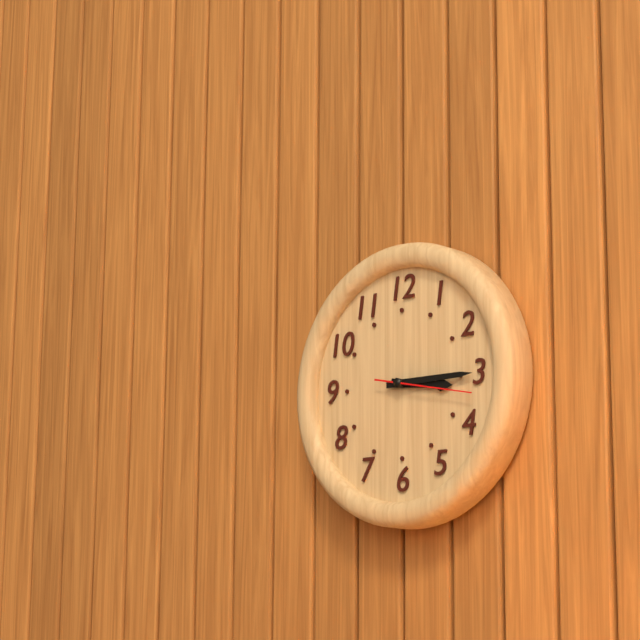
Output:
3.15.17
